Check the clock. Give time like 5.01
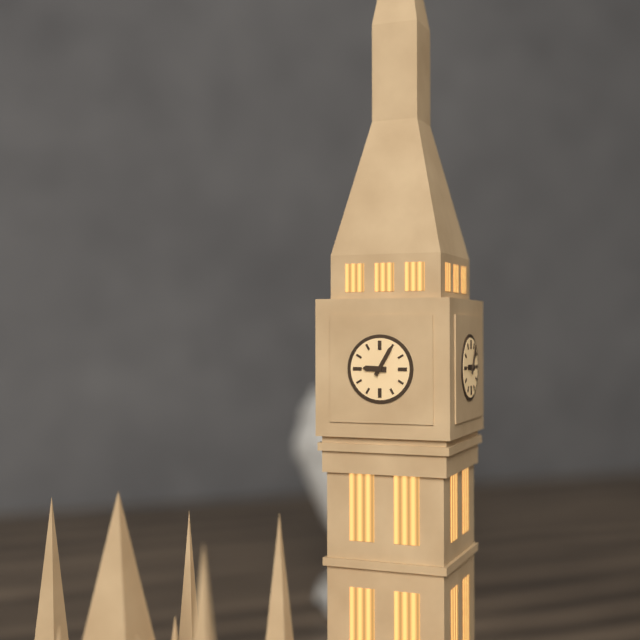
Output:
9.05
